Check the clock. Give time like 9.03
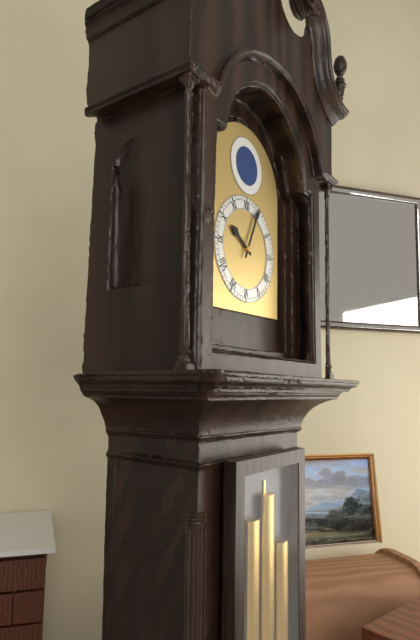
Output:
10.04
